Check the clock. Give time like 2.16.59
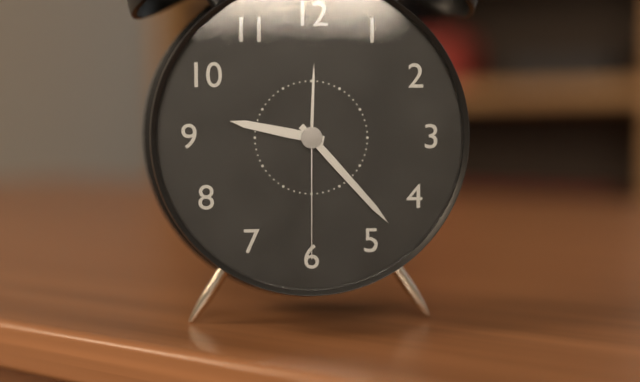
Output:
9.23.30
